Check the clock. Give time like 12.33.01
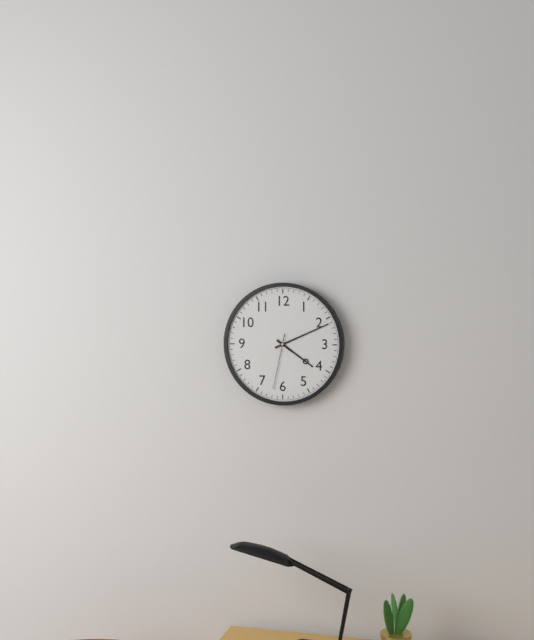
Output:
4.11.32
